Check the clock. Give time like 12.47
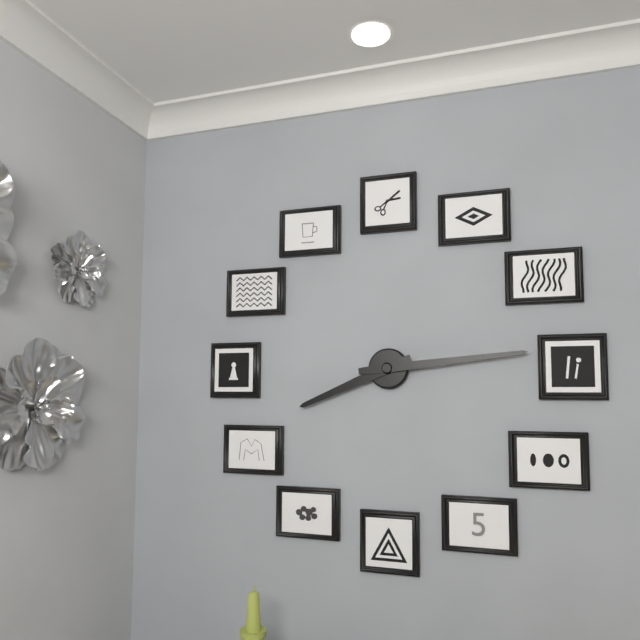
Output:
8.14
